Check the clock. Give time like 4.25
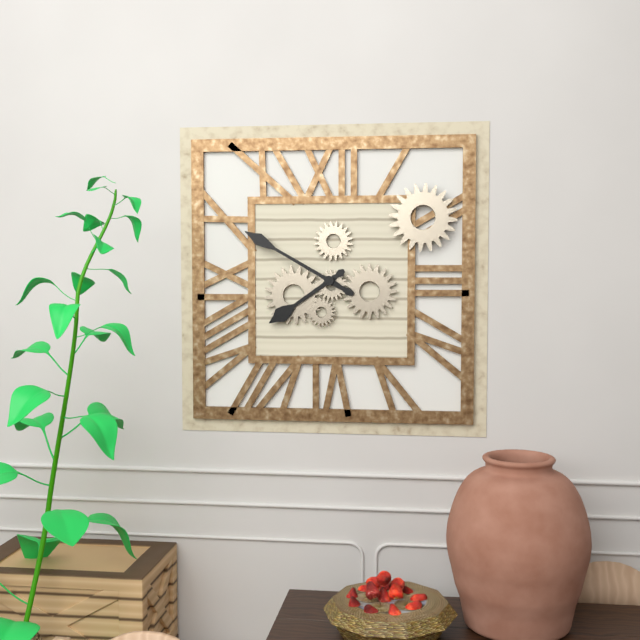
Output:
7.50
